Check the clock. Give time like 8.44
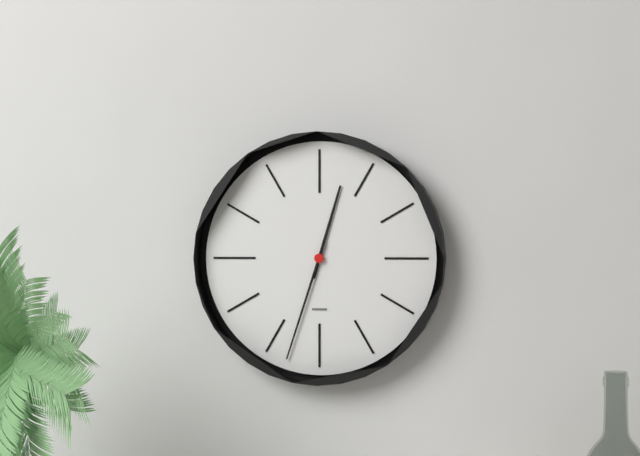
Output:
12.33
